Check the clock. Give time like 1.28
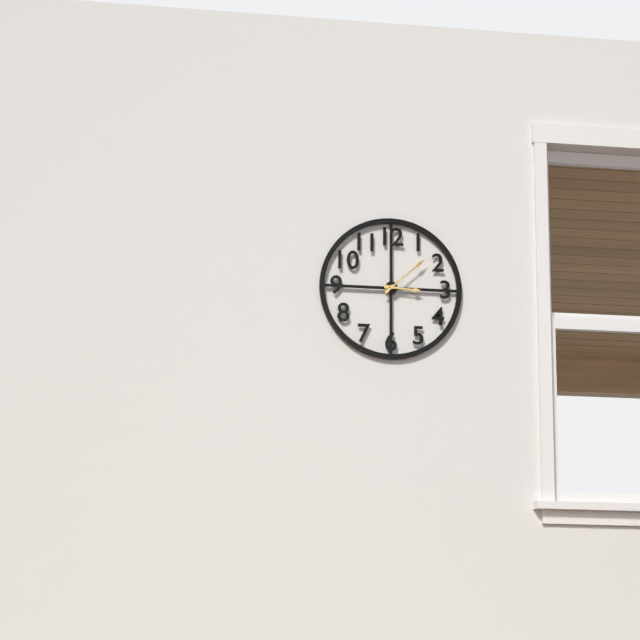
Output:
3.08
